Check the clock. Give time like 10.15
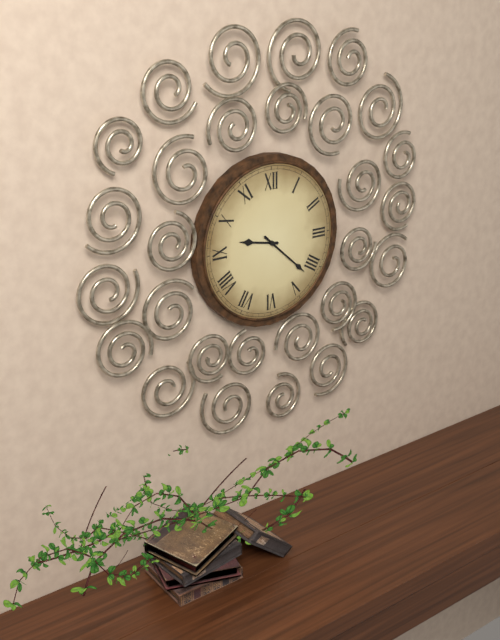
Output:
9.22
